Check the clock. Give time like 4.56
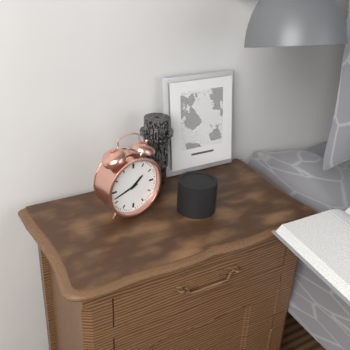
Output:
1.42
